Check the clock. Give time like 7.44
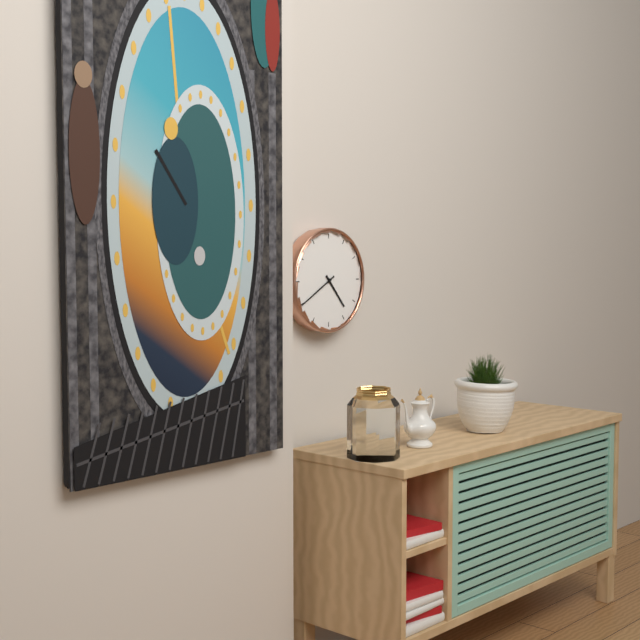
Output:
4.40
